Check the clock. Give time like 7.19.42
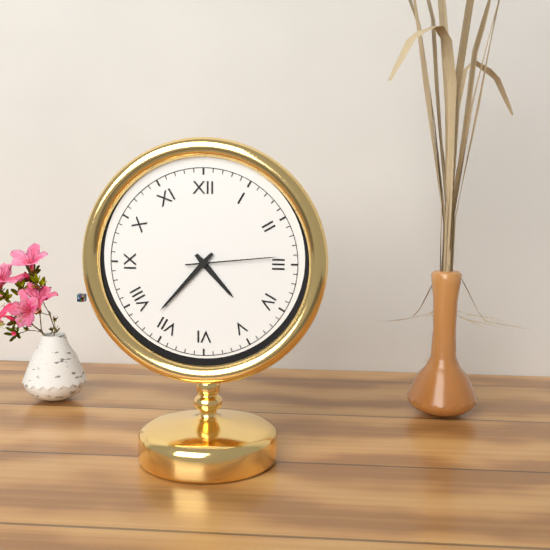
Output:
4.37.14
